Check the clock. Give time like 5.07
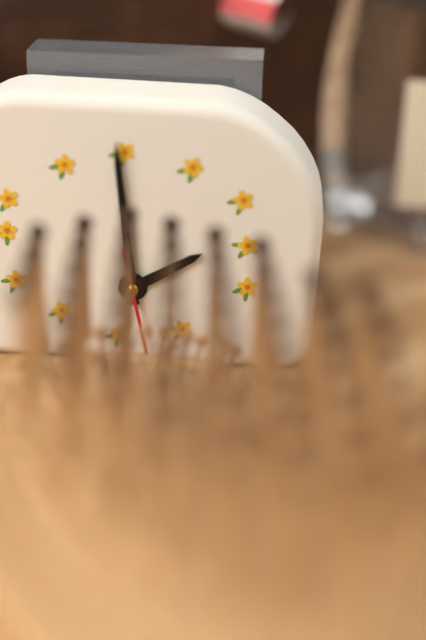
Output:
1.59
